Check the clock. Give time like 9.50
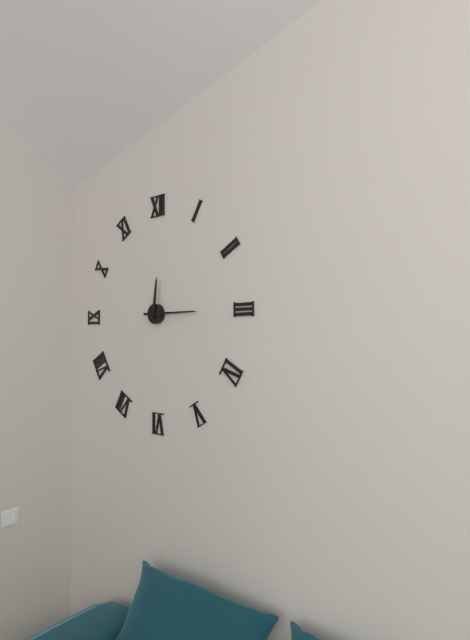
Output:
12.15
